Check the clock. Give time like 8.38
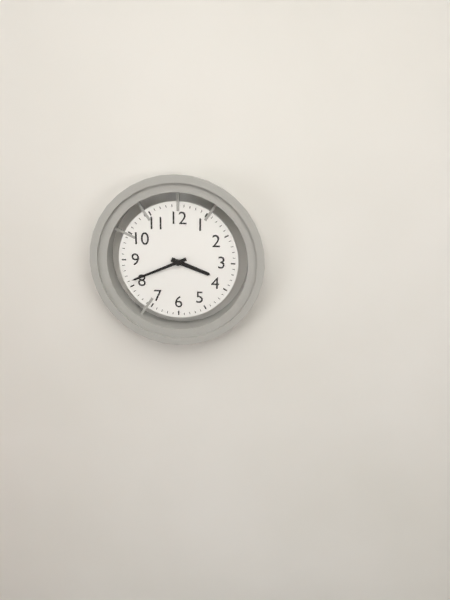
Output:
3.41
